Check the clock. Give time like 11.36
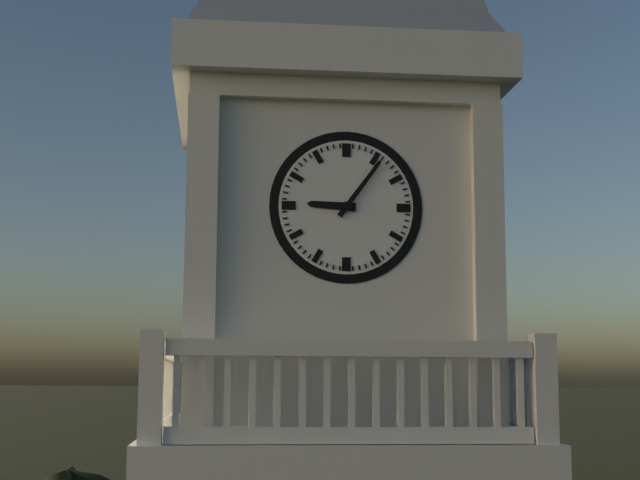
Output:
9.06
